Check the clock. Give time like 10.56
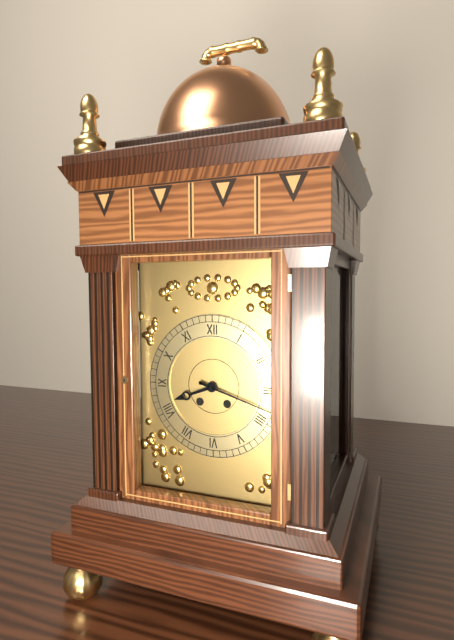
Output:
8.18
